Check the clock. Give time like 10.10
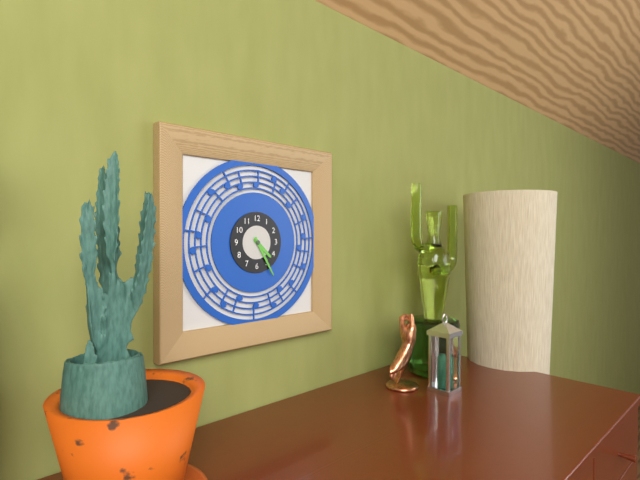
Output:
4.25
